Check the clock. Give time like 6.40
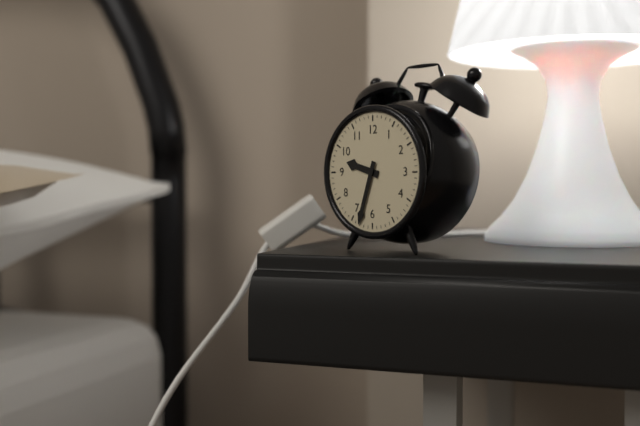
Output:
9.33
